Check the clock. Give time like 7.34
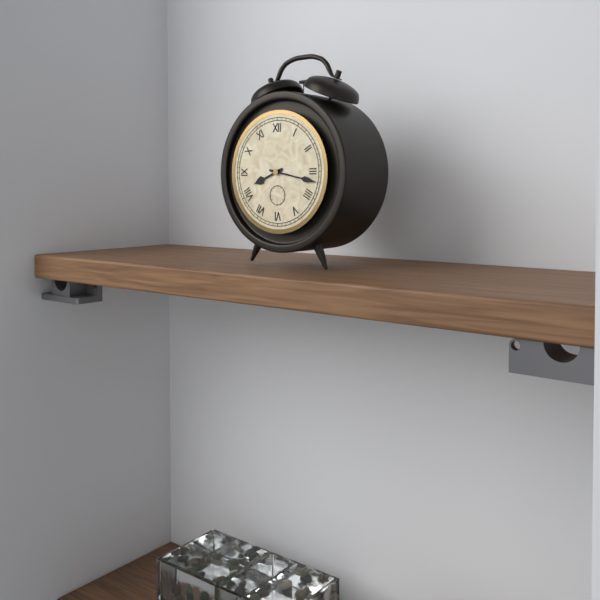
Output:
8.17
